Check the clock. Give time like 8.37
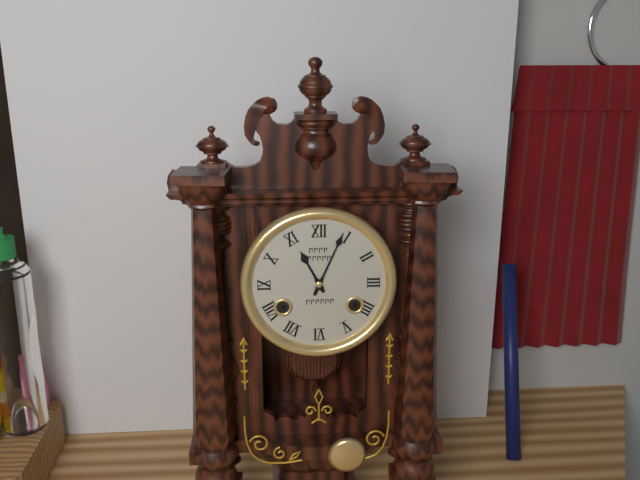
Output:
11.04
